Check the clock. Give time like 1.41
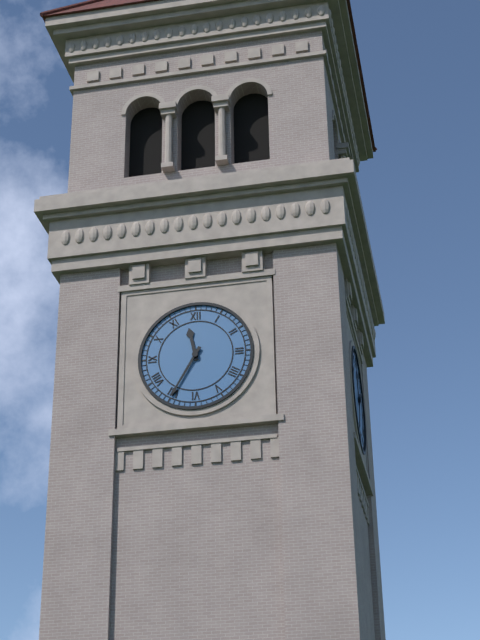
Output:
11.35
